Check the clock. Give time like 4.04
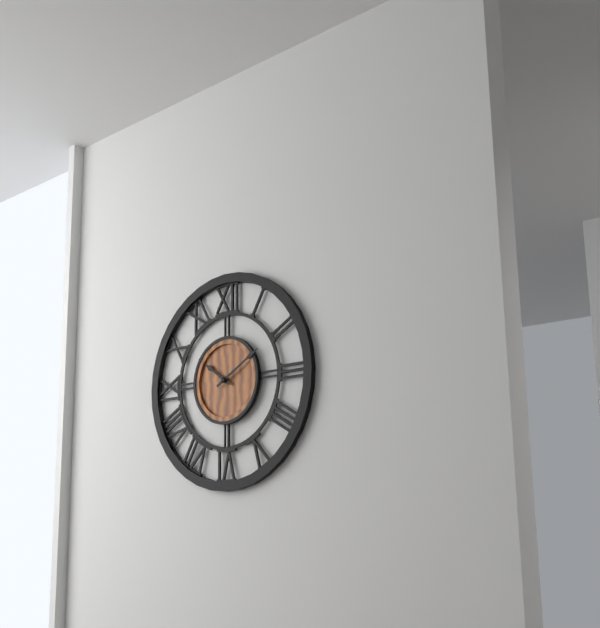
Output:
10.10
